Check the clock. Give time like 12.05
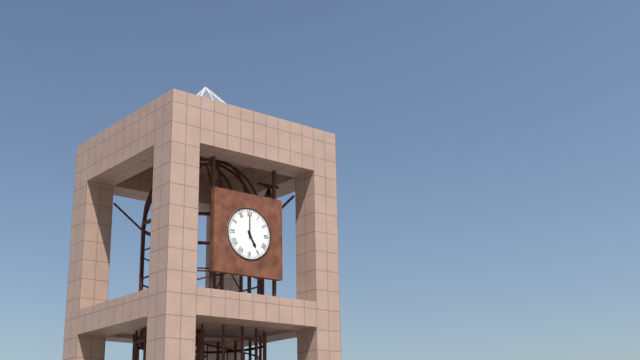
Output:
5.00
